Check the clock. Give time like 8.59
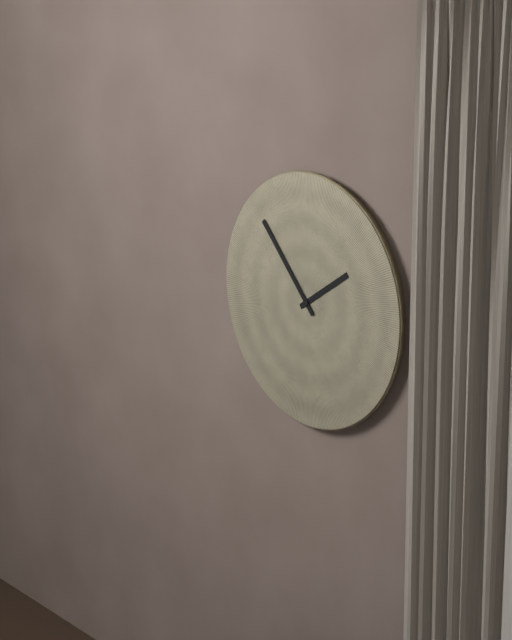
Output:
1.53
